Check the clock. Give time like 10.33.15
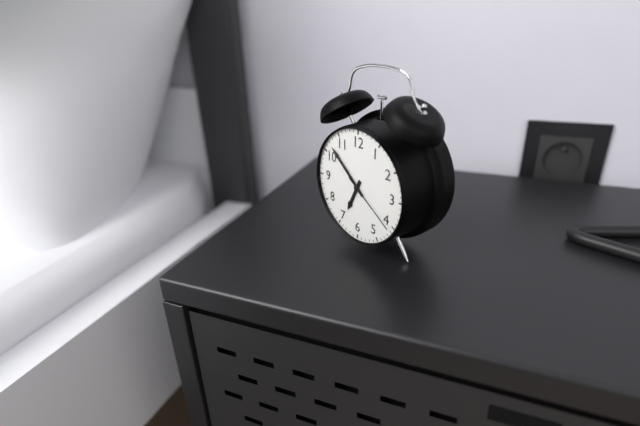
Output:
6.52.21
